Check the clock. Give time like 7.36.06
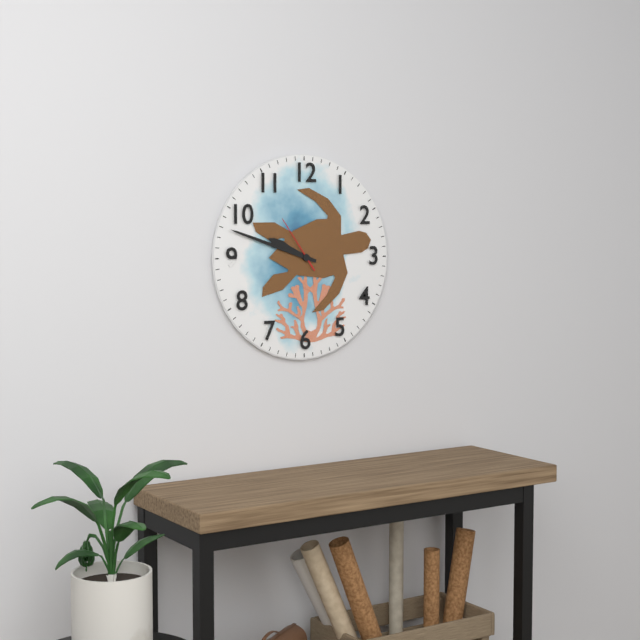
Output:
9.48.54
